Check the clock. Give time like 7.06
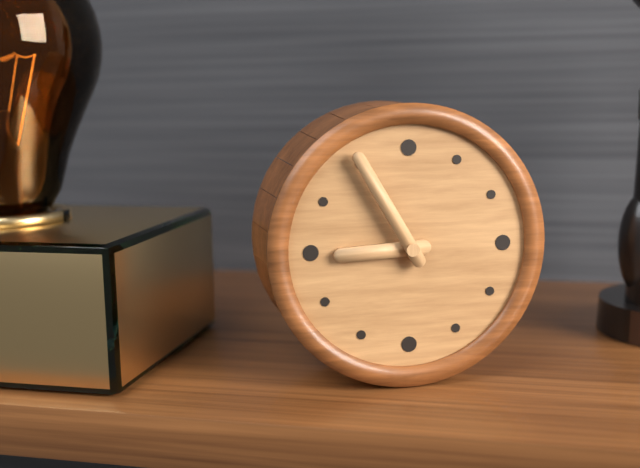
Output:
8.55
